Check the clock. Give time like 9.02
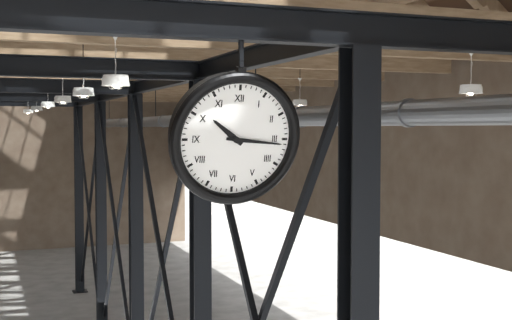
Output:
10.16
